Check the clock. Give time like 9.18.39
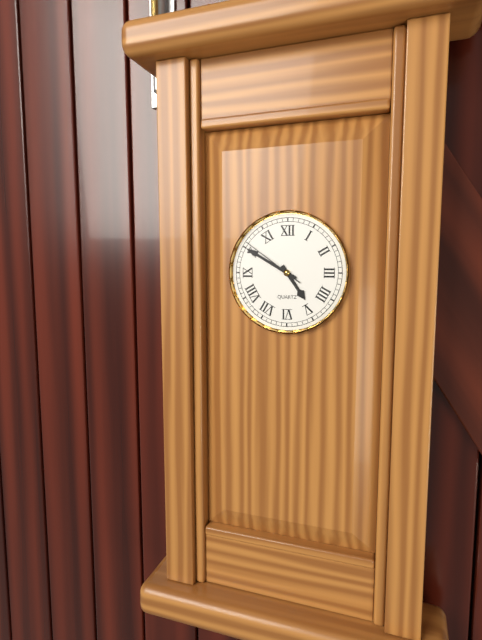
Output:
4.50.51
